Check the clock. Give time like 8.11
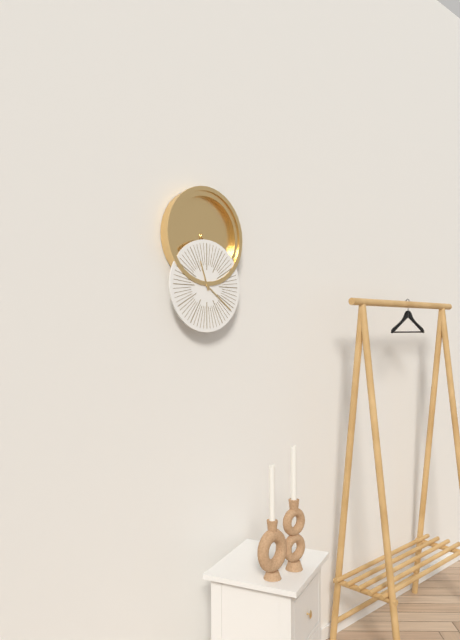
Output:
11.21
